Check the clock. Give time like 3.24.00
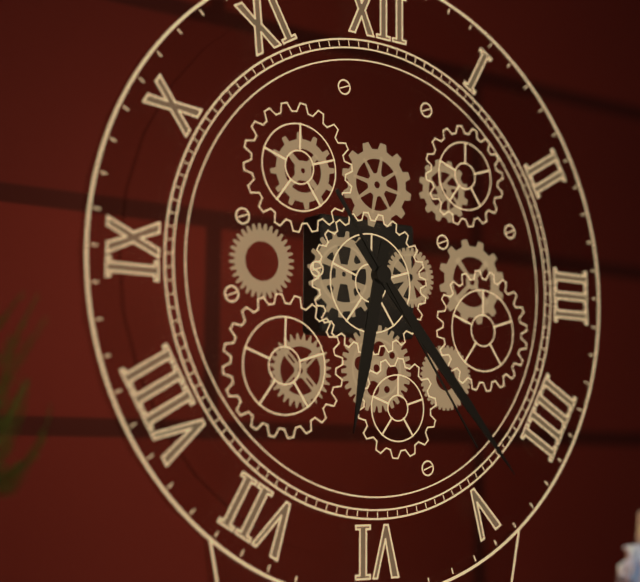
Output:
6.23.24
